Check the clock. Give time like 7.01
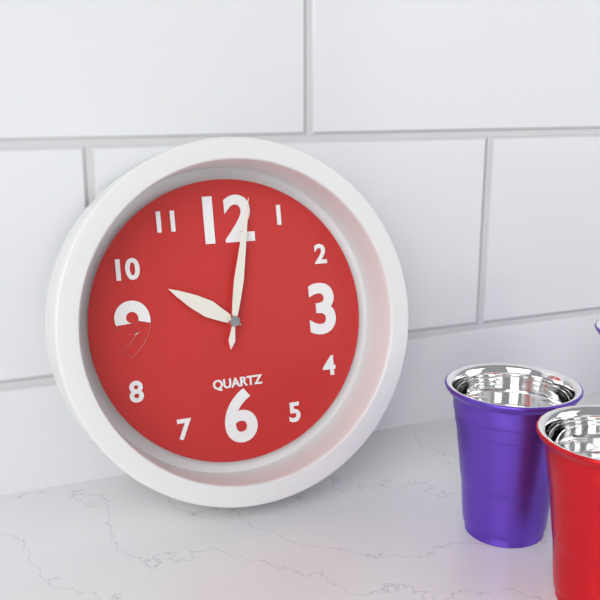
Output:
10.02
